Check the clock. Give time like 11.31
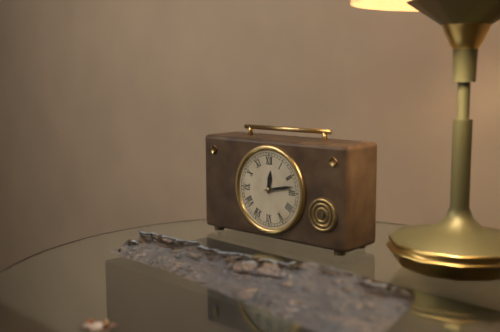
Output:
12.13
